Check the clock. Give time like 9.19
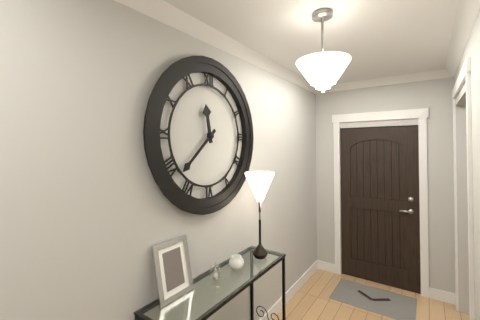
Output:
11.38
